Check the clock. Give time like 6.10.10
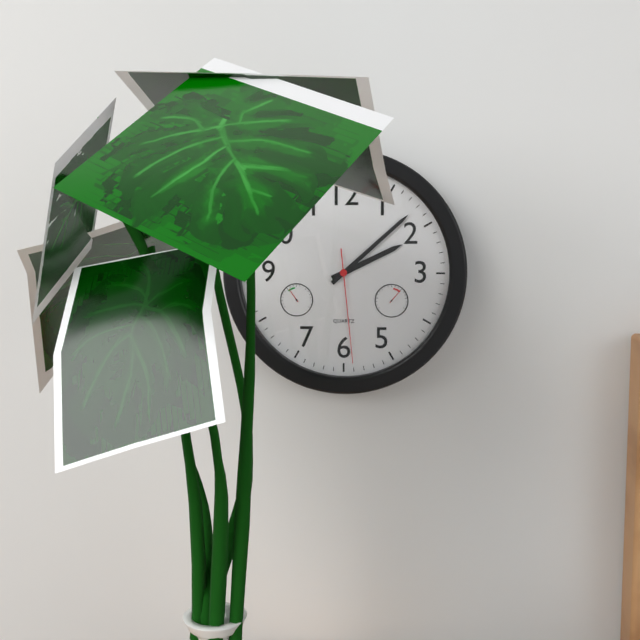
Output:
2.08.29
